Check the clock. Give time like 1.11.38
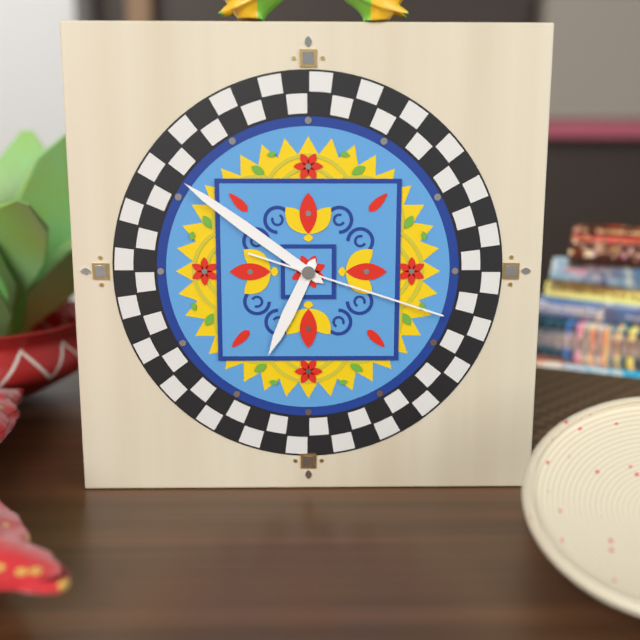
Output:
6.51.18
